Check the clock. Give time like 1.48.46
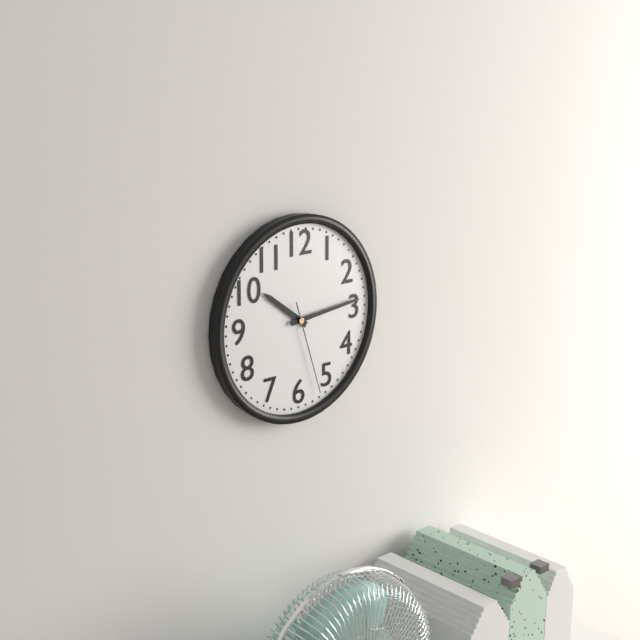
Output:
10.14.27
